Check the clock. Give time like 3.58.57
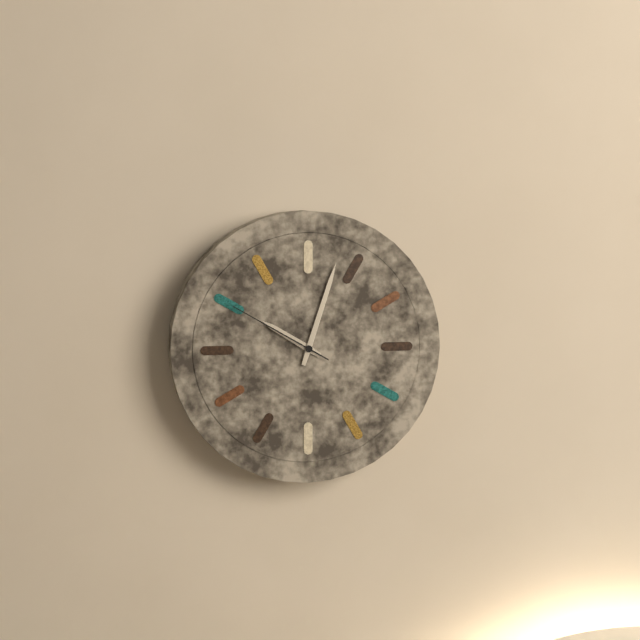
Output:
10.03.50
